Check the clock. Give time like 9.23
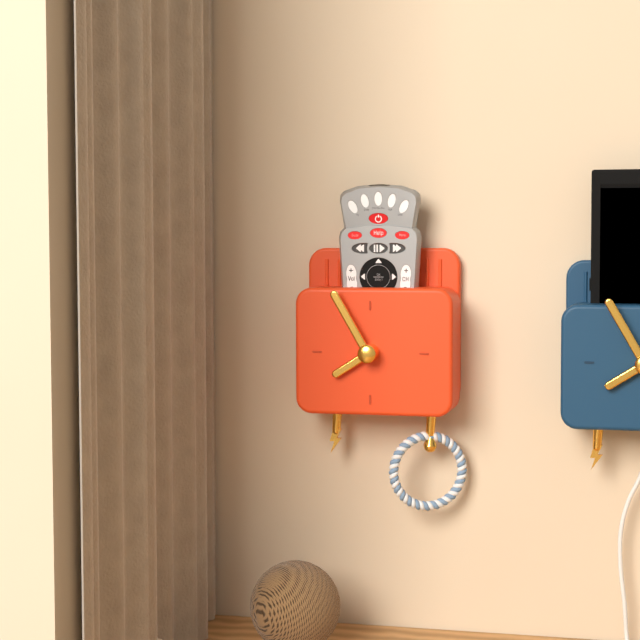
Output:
7.55
